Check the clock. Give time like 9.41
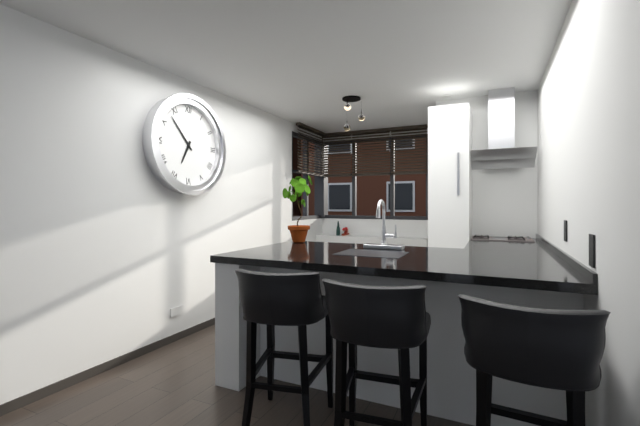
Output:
6.53
